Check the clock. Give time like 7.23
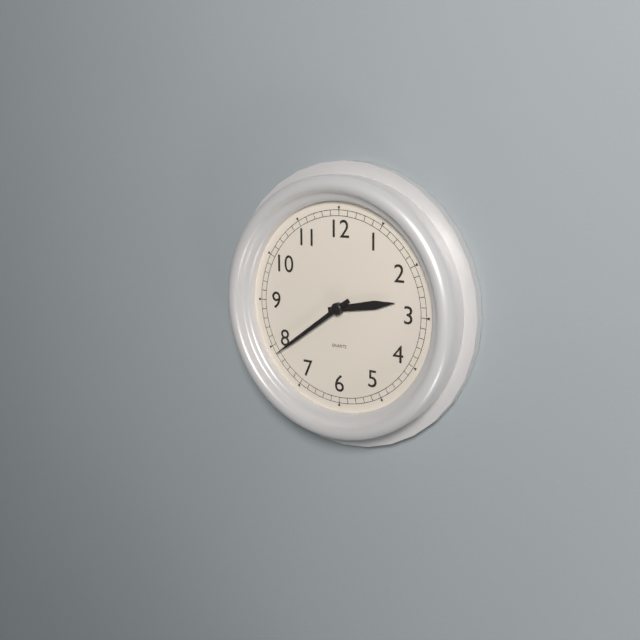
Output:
2.39
